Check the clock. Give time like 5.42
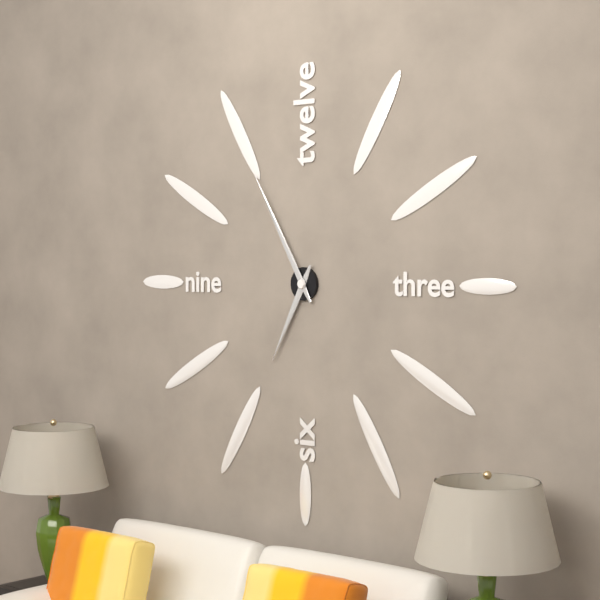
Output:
6.55
